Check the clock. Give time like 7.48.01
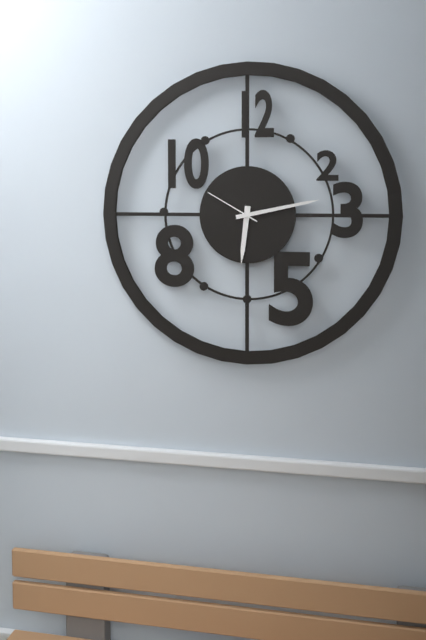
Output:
6.13.50
